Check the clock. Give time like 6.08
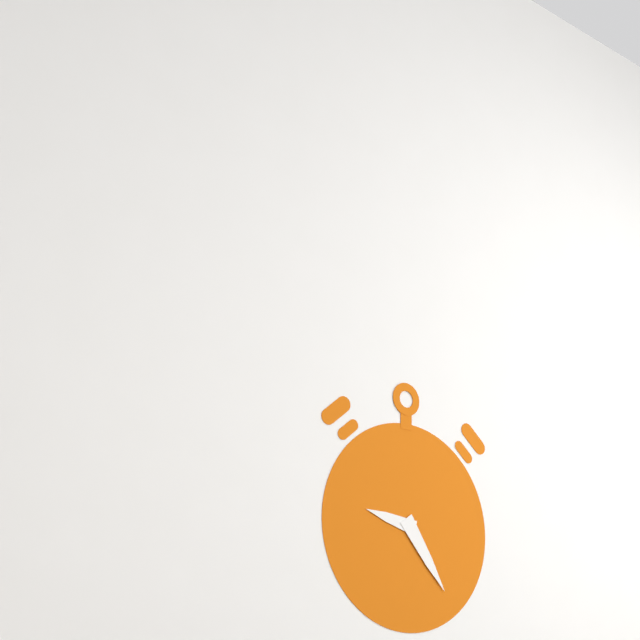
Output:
9.24
